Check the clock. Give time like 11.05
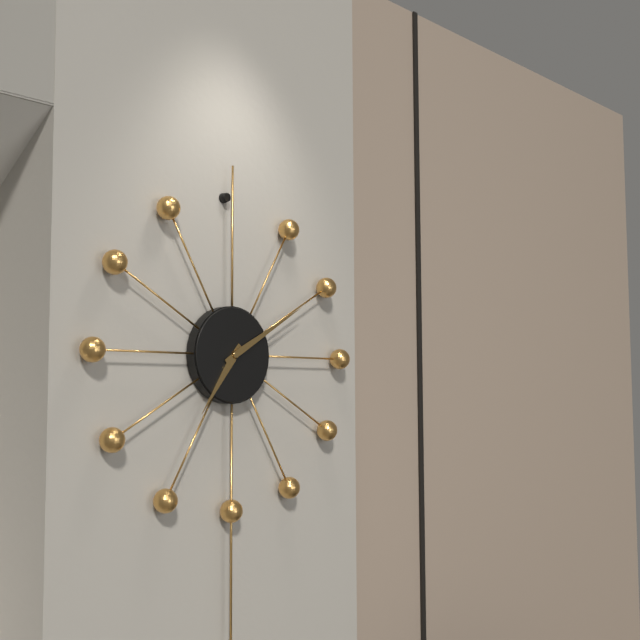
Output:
7.10
